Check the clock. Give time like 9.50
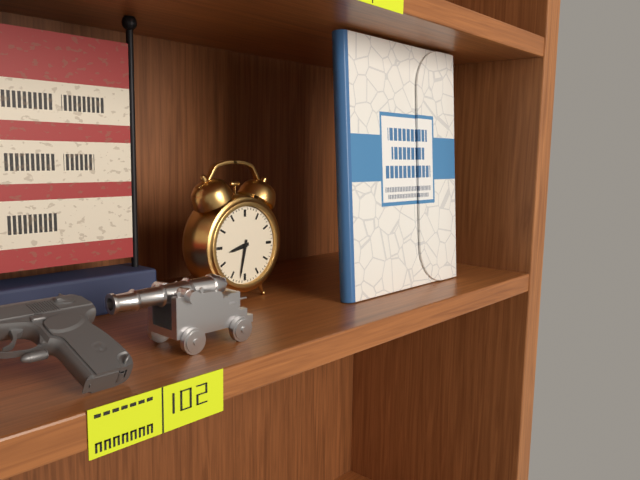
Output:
8.32
